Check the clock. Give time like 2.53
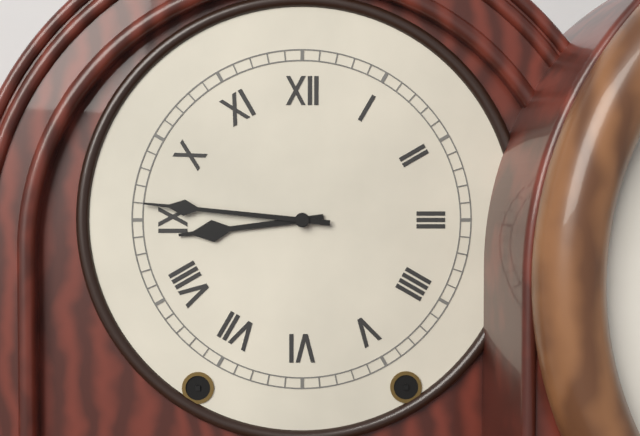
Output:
8.46
